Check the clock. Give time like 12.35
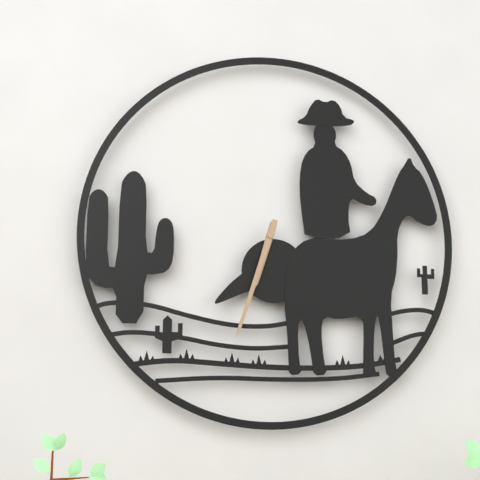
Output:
6.33
